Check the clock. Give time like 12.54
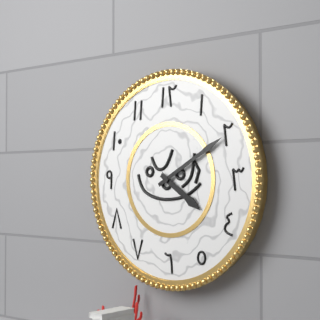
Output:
4.10
